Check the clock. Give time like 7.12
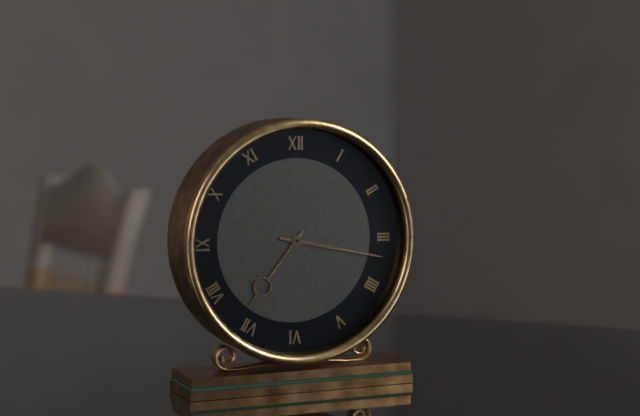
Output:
7.17
